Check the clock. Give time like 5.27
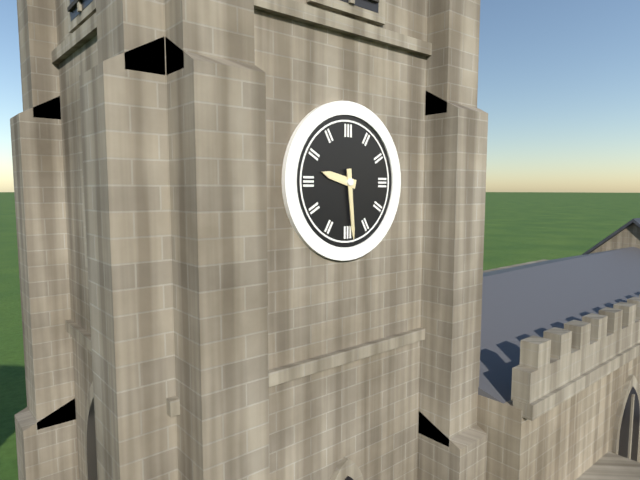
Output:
9.29
